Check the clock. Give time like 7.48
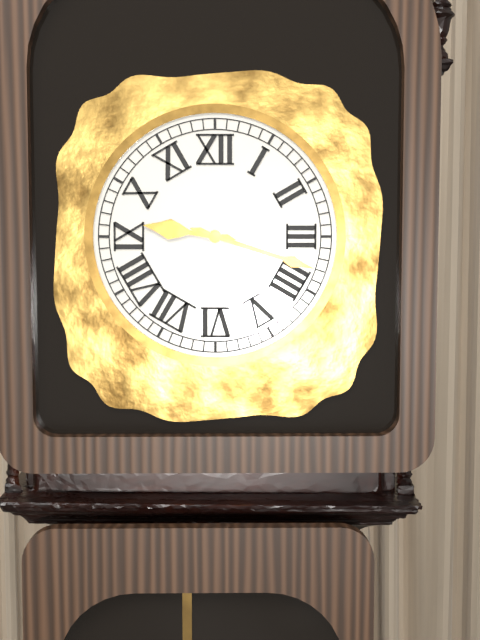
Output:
9.18
